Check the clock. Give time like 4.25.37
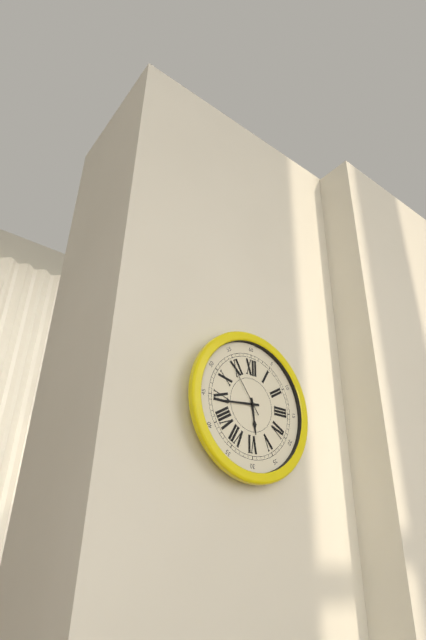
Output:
5.44.54
